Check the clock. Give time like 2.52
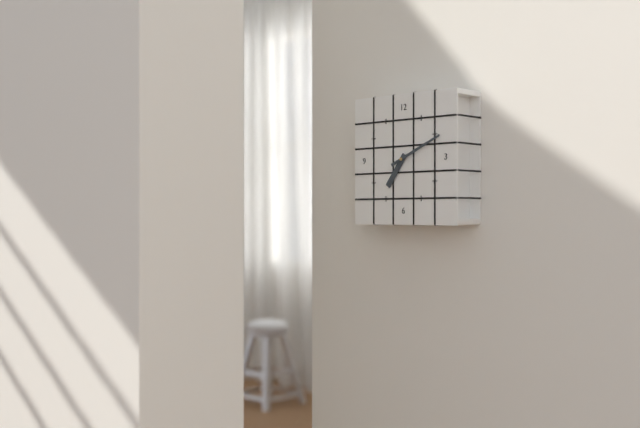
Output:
7.11
